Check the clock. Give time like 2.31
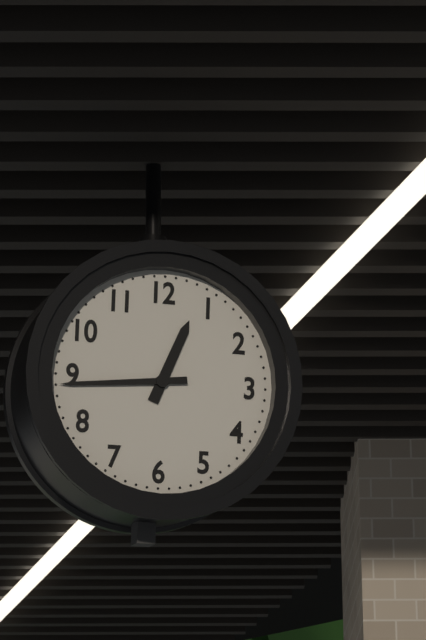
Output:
12.44
